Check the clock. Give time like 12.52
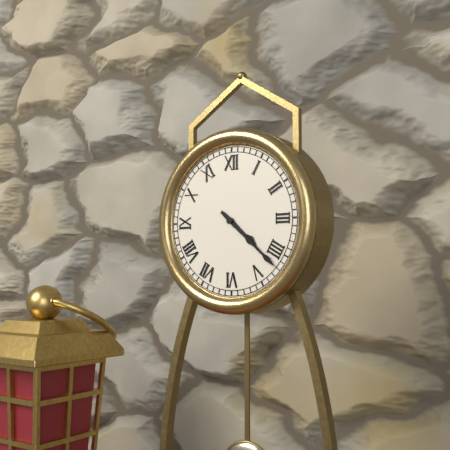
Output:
4.22
